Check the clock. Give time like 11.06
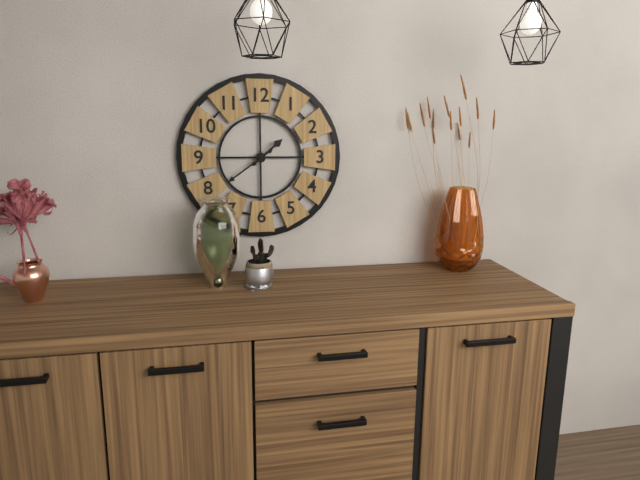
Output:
1.39
